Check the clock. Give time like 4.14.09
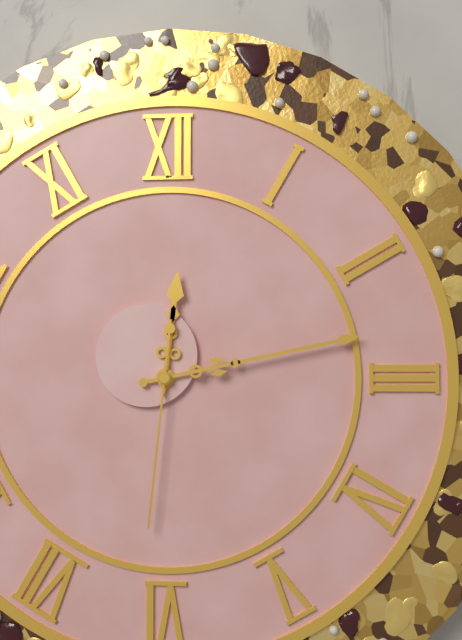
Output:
12.13.31
